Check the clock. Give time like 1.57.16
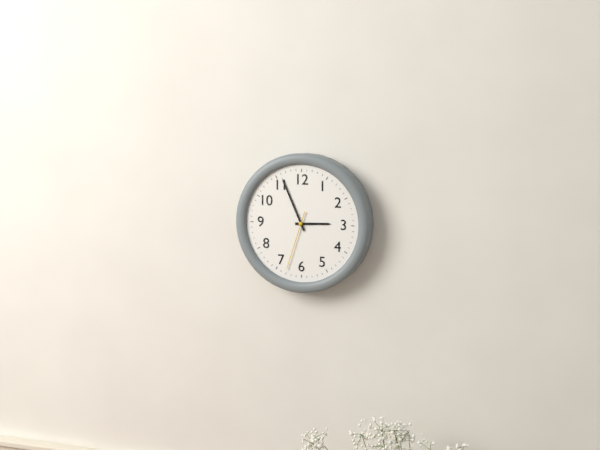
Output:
2.56.33
